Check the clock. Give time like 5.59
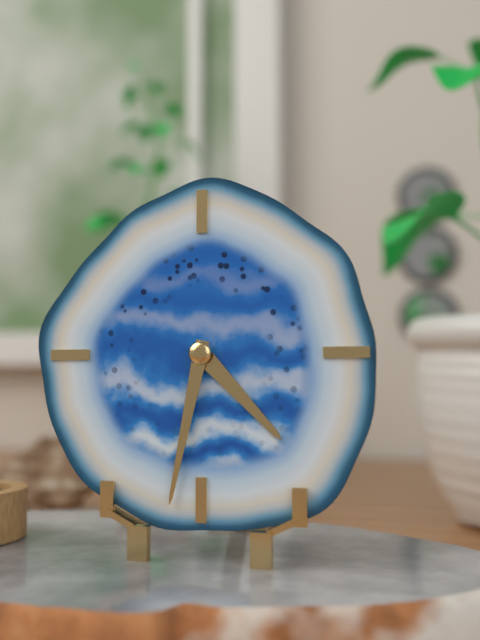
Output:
4.32
